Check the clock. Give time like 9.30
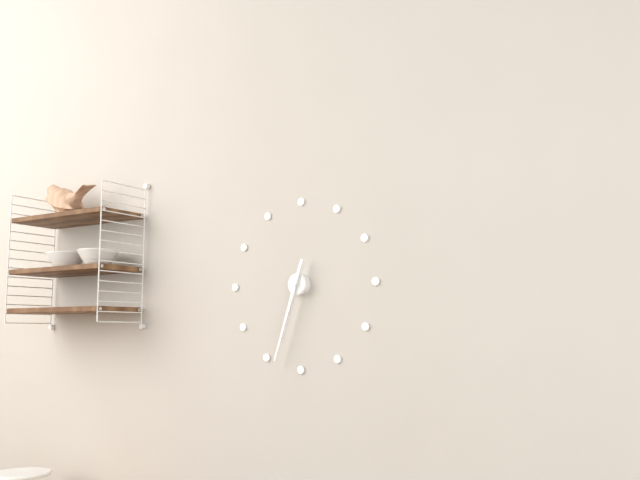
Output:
6.33
